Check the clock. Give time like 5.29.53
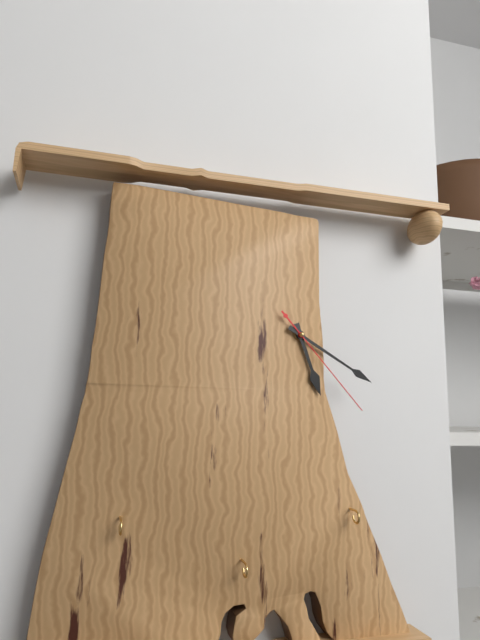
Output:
5.20.23
